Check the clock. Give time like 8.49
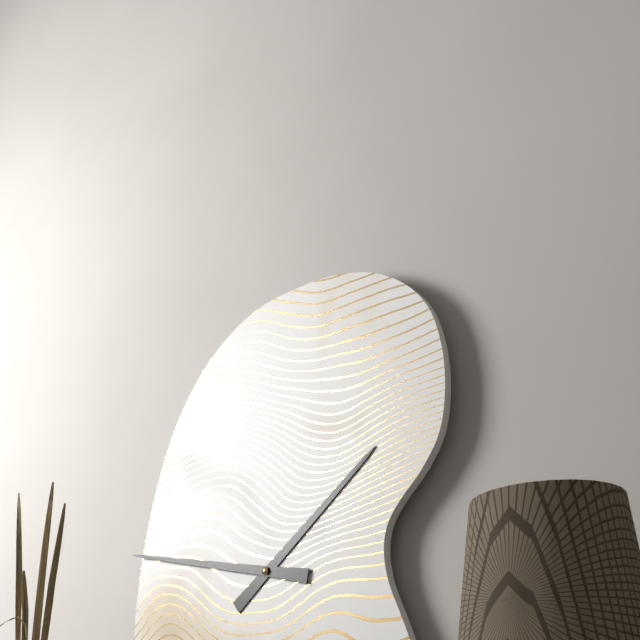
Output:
1.47
